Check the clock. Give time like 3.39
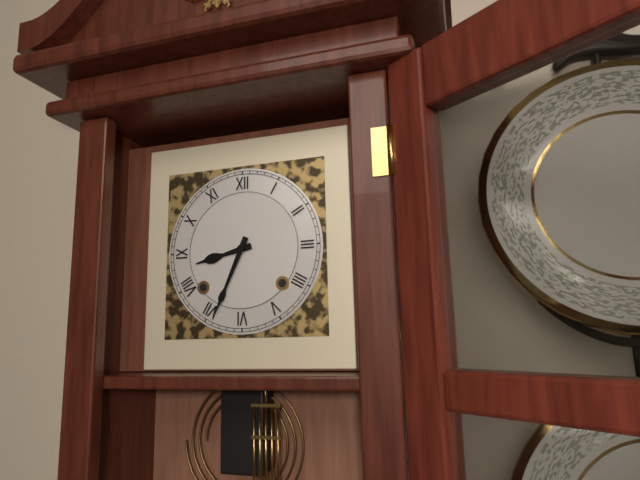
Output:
8.34
